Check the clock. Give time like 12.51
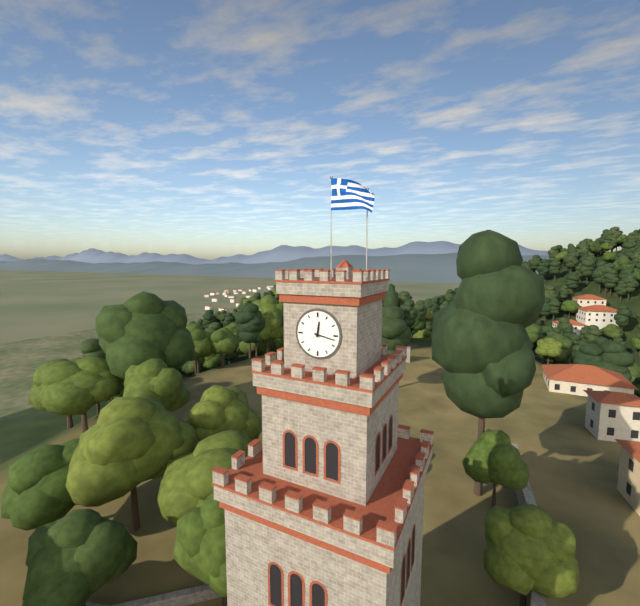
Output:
12.17
